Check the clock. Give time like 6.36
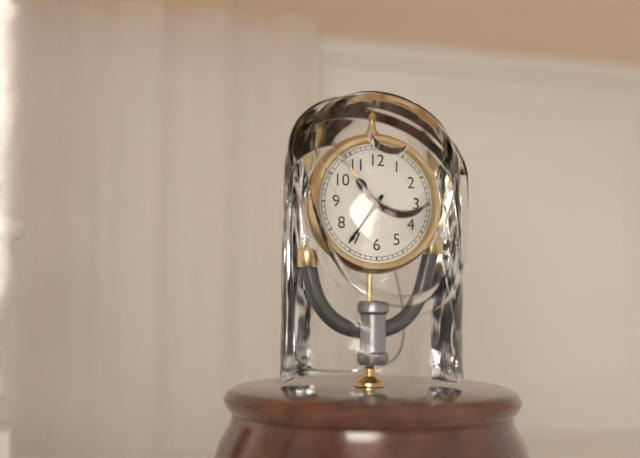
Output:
10.36
